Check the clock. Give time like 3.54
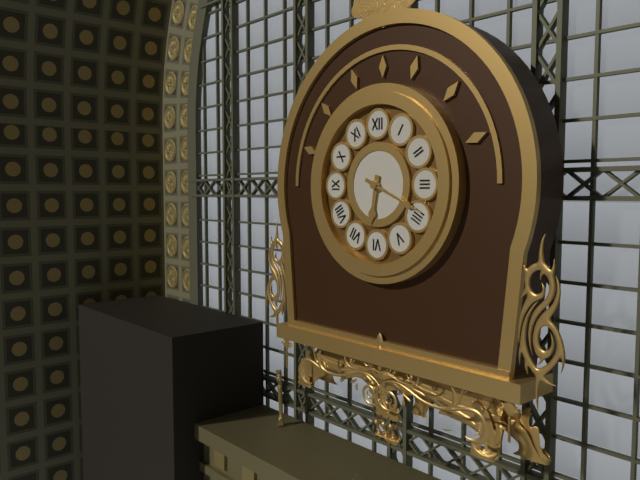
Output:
6.19
